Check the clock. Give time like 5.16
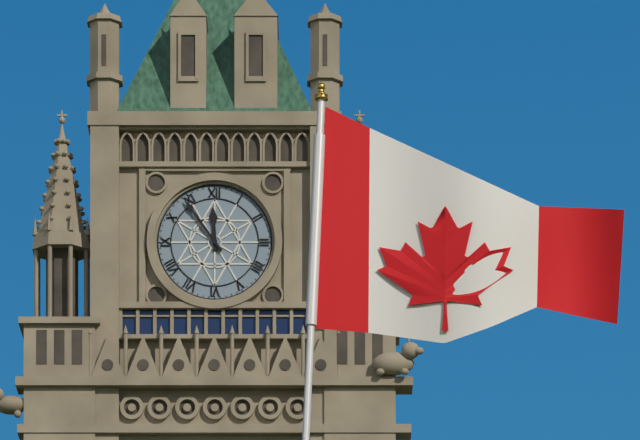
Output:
11.54
